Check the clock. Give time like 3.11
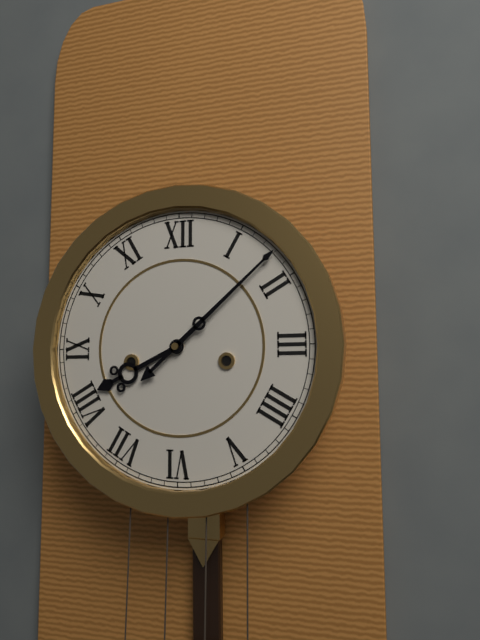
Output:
8.08
